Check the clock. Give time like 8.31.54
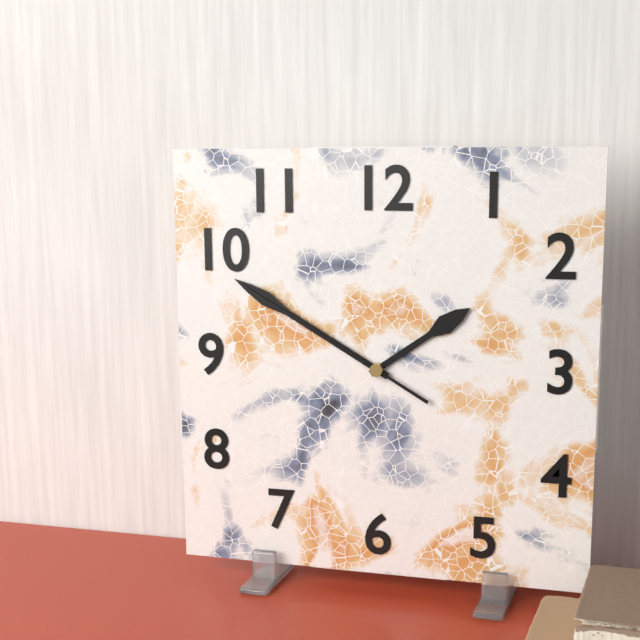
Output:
1.50.50
